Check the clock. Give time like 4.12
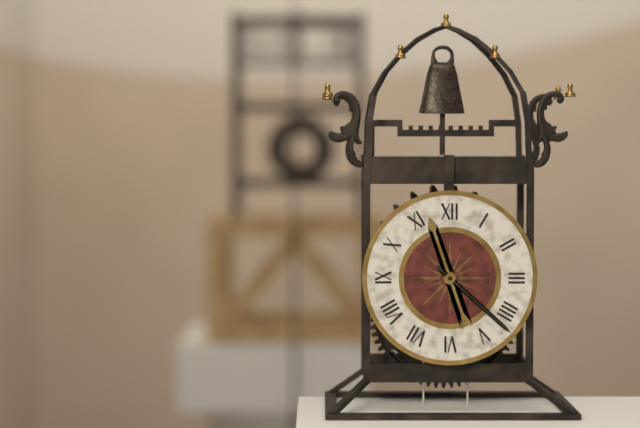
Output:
11.22
